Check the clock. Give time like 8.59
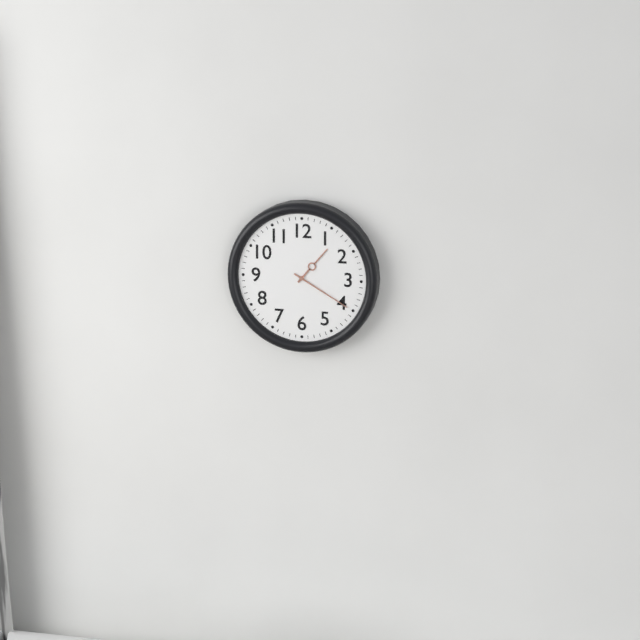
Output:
1.20
